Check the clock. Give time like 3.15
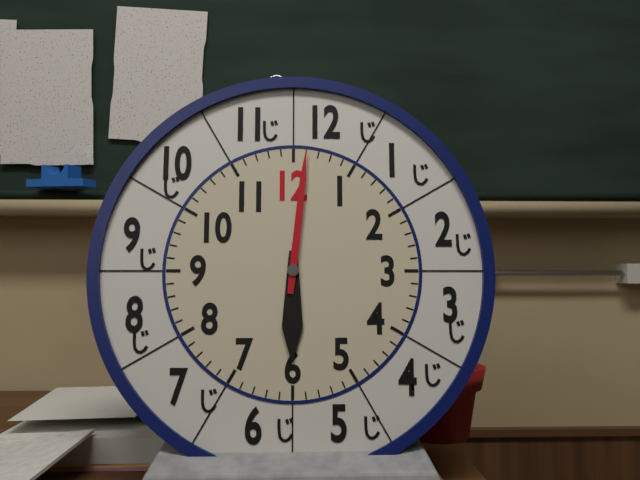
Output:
6.01
